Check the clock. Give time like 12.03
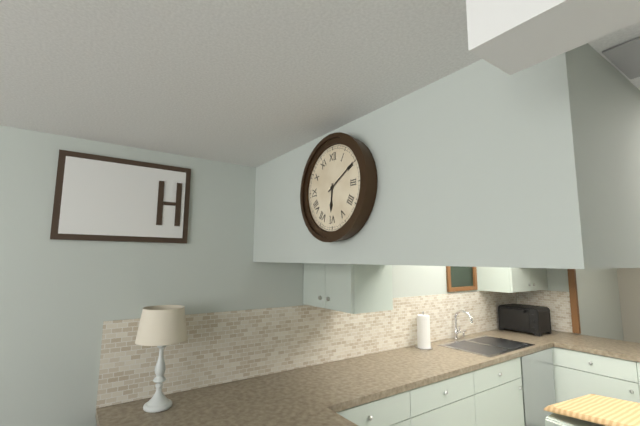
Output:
6.10
